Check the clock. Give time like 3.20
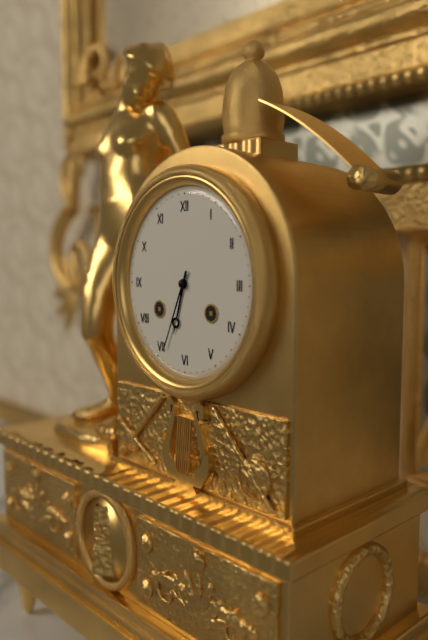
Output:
6.34
